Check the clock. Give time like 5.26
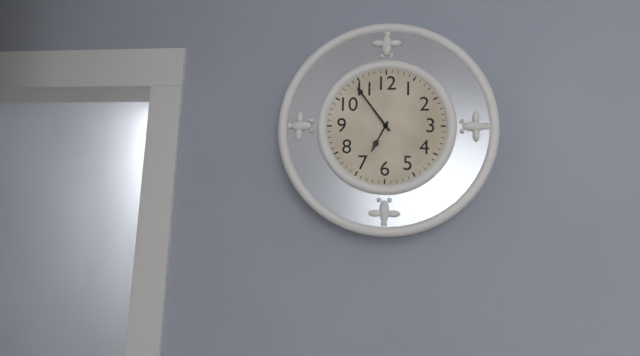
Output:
6.54
